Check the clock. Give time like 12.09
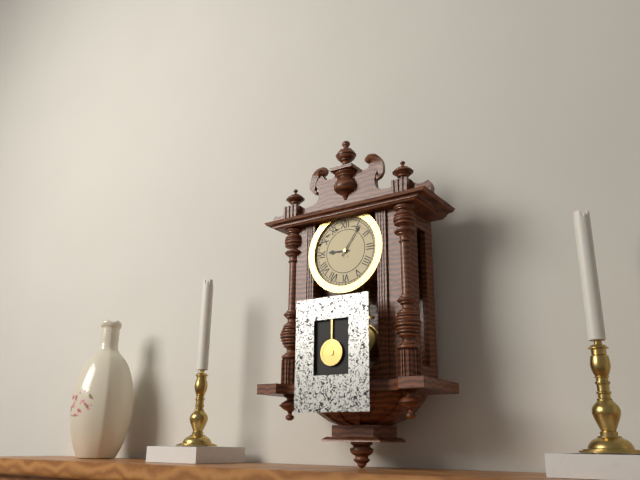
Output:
9.06
